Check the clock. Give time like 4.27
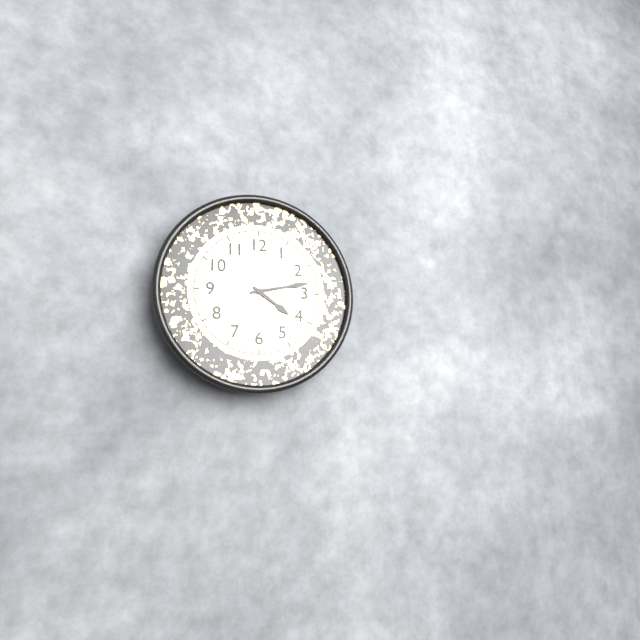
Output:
4.13
